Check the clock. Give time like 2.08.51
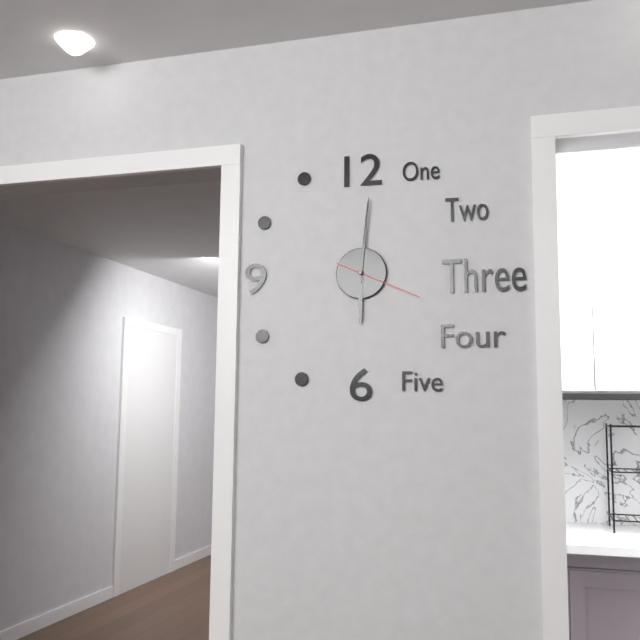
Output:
6.01.19
